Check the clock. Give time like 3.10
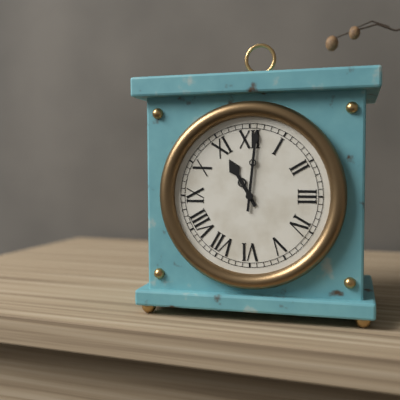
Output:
11.01
